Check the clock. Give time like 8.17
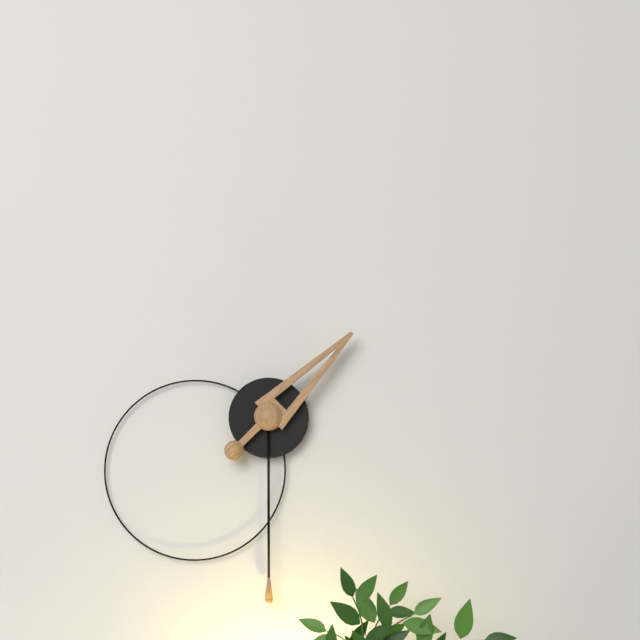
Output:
1.30
